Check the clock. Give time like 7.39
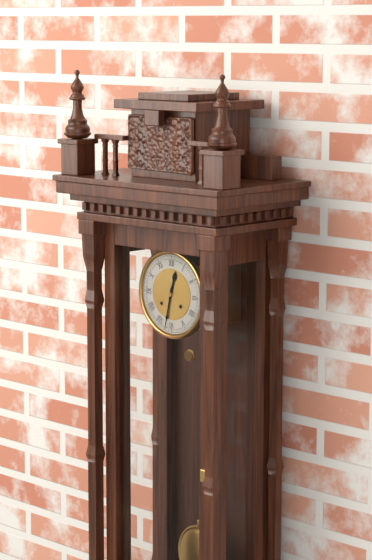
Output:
12.32
